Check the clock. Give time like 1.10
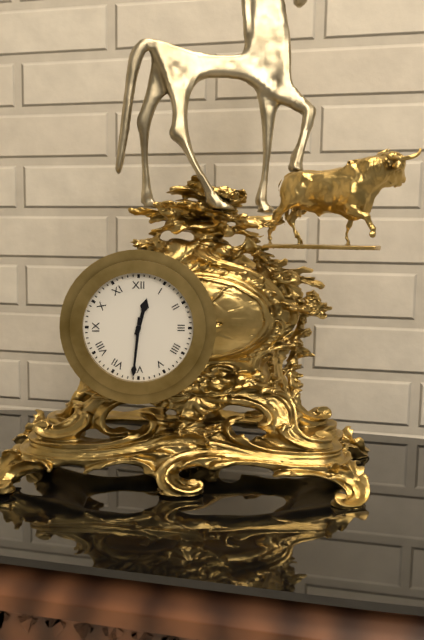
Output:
12.31
